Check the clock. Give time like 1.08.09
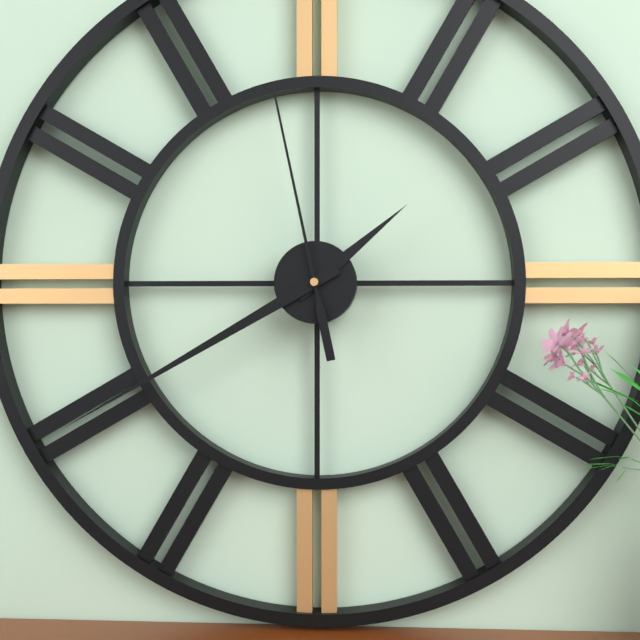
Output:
1.40.58
